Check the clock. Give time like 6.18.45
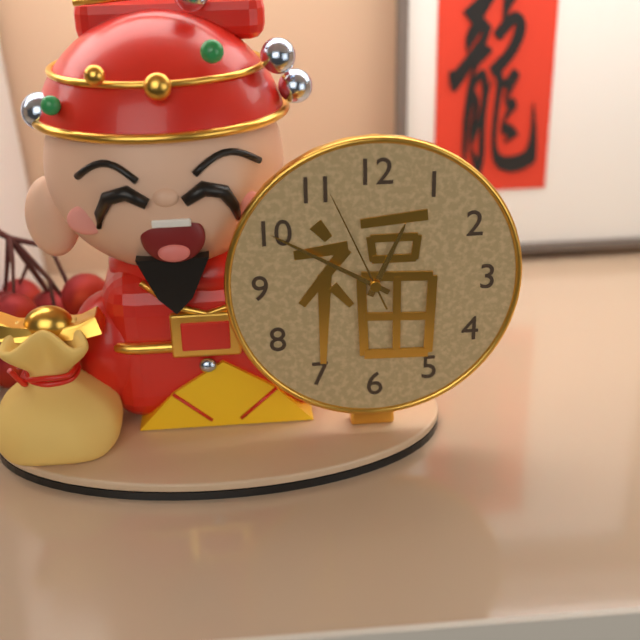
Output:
12.50.56
